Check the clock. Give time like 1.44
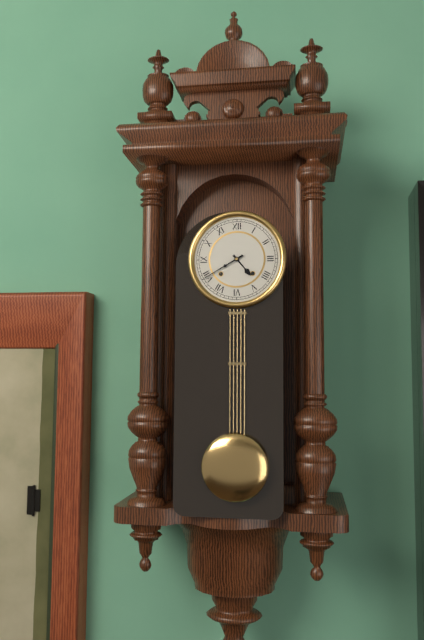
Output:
4.40
